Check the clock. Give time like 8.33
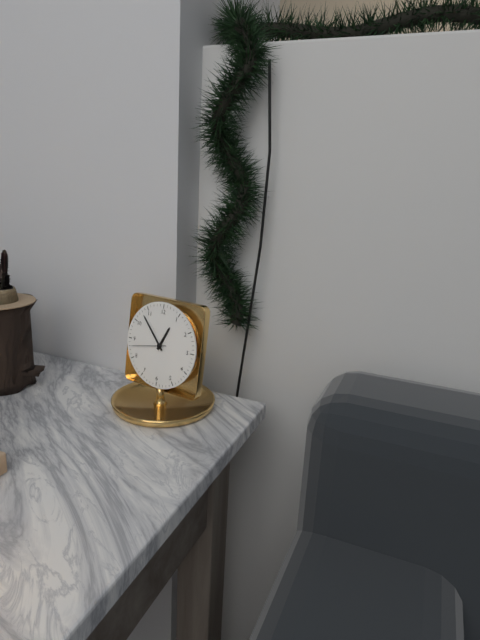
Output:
12.53
